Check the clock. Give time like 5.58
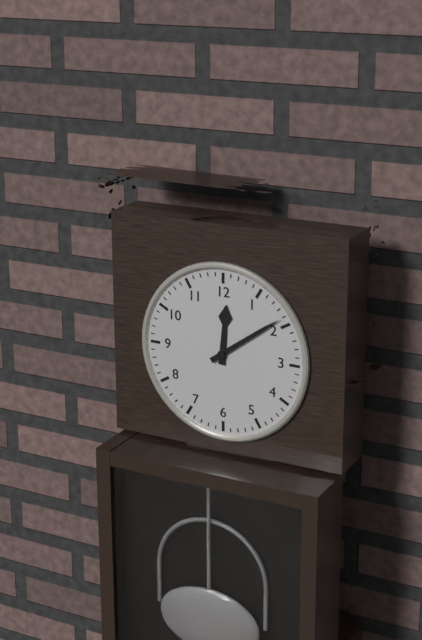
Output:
12.09
